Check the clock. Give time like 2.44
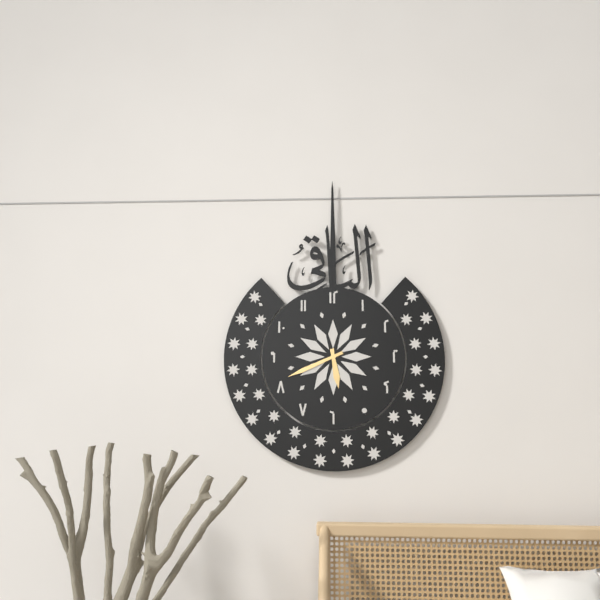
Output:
5.41
